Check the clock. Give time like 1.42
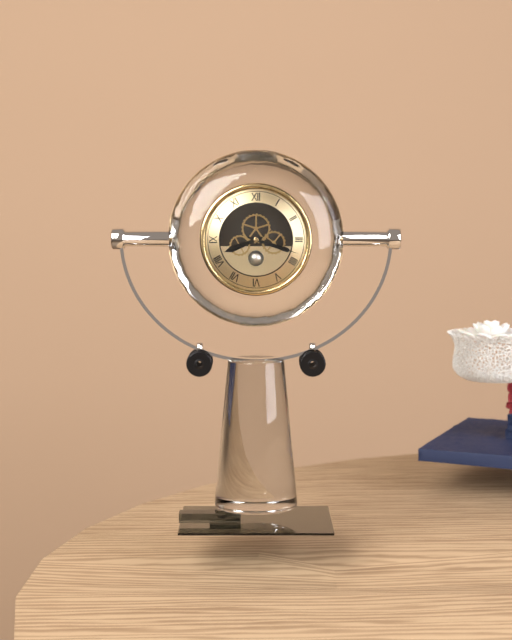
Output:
8.18
